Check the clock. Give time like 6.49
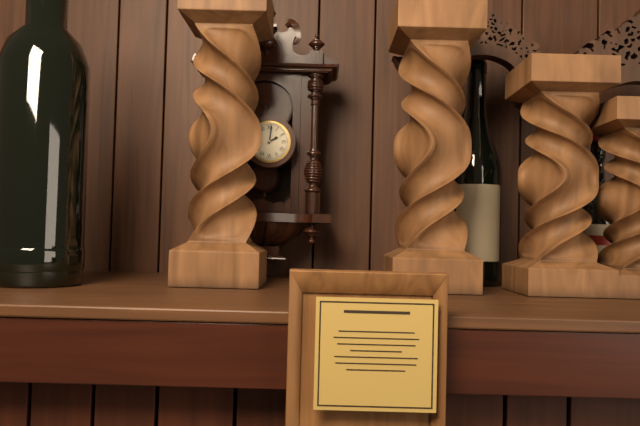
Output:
2.01
